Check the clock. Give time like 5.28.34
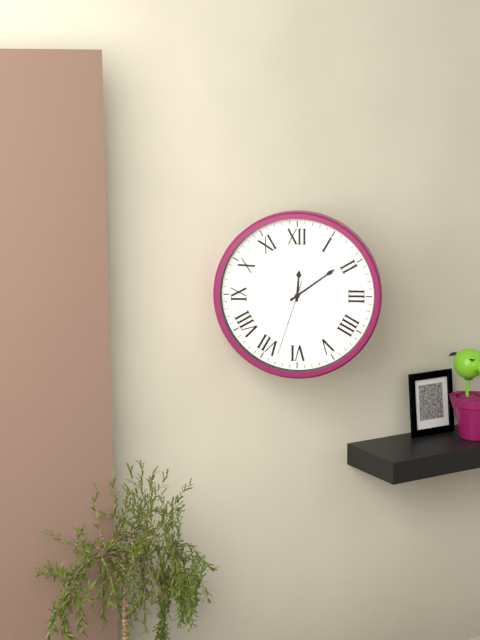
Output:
12.09.33
